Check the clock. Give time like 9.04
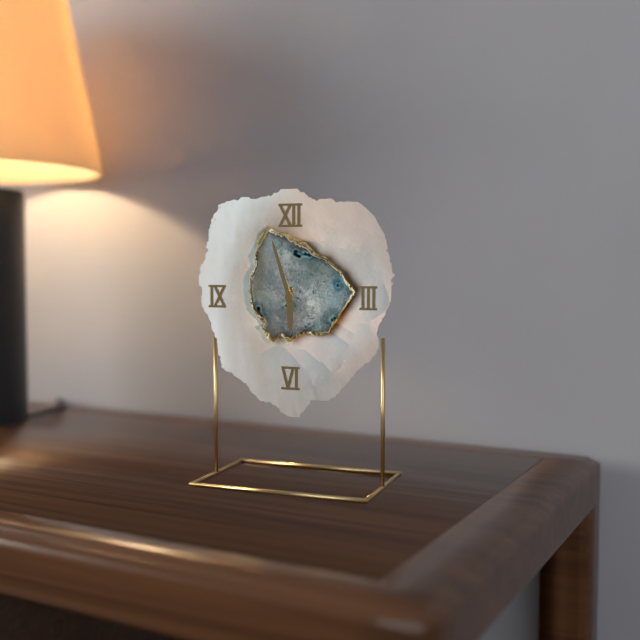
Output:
5.57
